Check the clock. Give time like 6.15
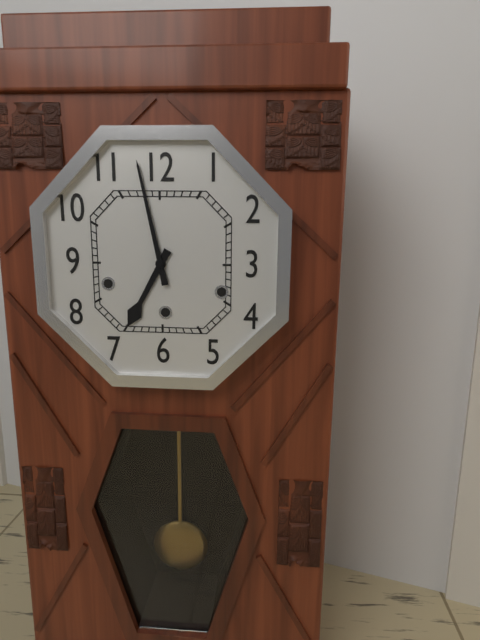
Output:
6.58
